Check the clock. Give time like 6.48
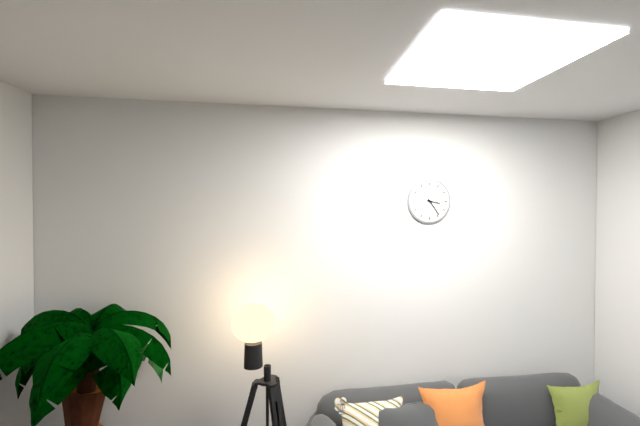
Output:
3.24
